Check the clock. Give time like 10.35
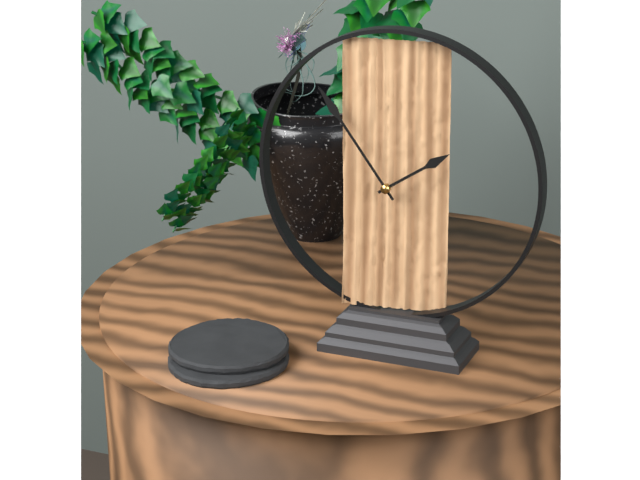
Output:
1.54
